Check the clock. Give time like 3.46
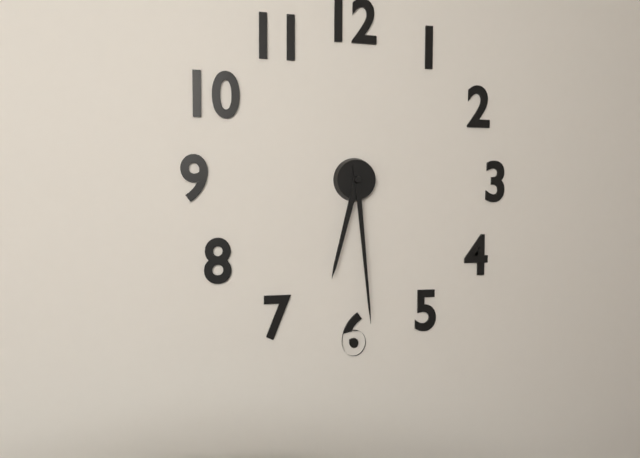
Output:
6.29
